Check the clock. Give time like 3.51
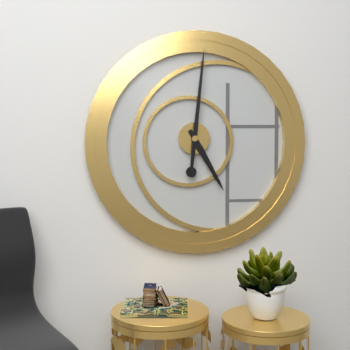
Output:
5.01
